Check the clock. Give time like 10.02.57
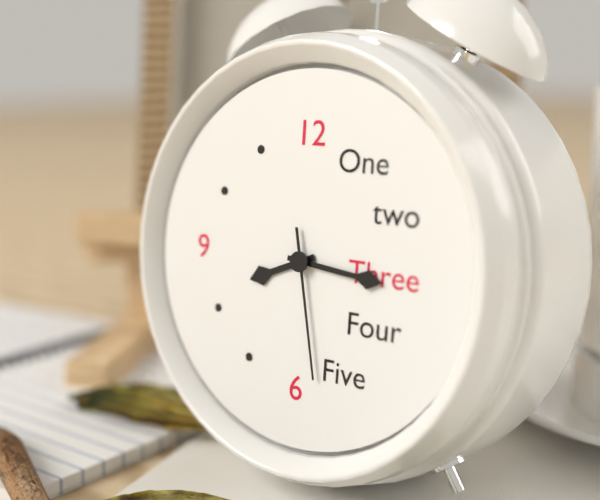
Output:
8.16.28
